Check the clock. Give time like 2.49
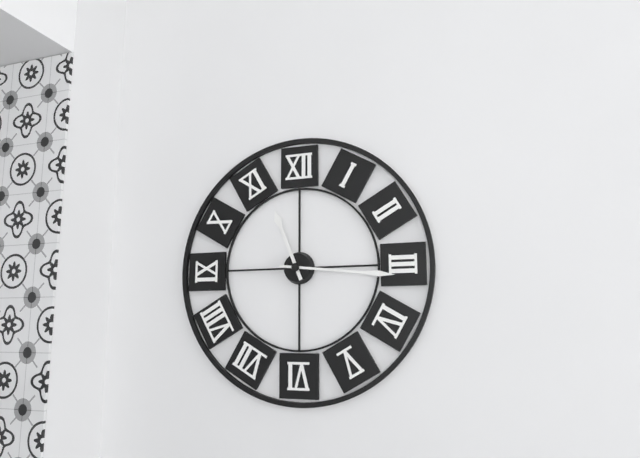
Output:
11.16
